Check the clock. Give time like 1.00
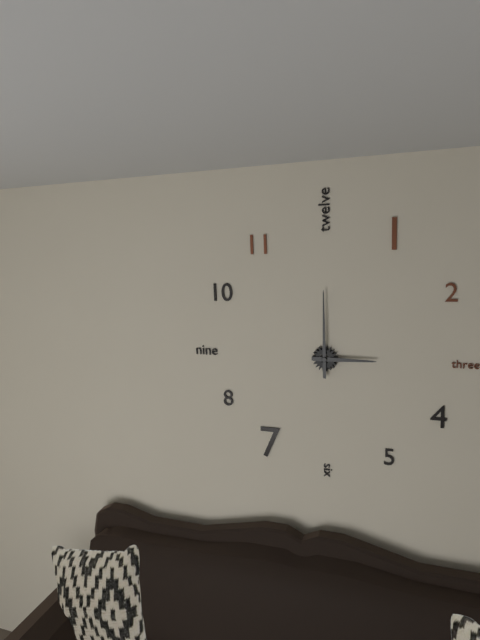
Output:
3.00
